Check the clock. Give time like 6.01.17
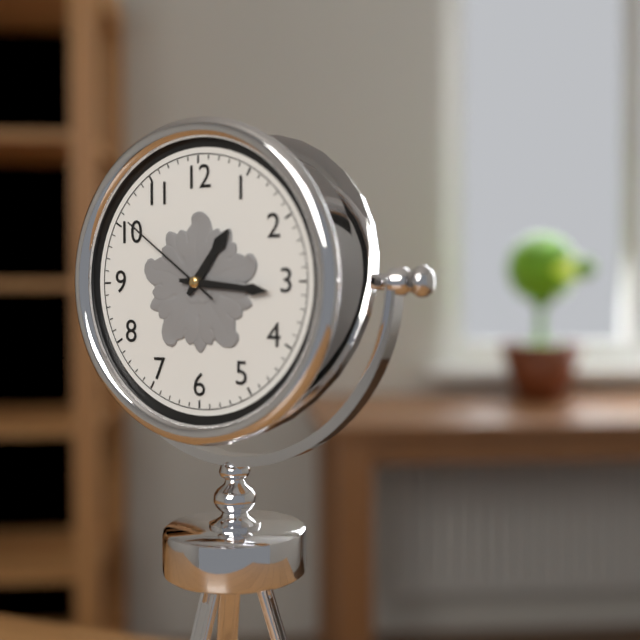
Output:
1.16.51
